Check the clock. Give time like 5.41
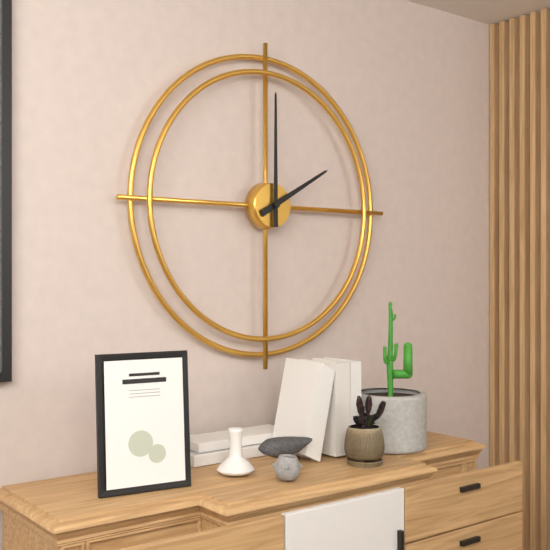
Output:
2.00
